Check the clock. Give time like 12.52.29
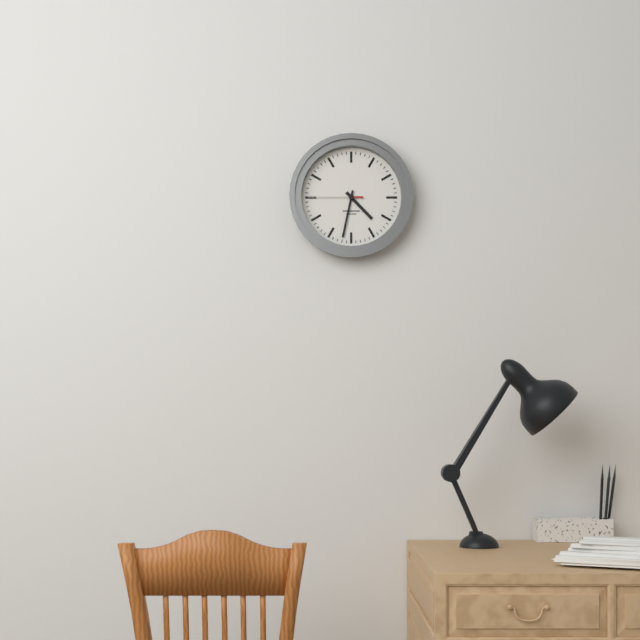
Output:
4.32.45
